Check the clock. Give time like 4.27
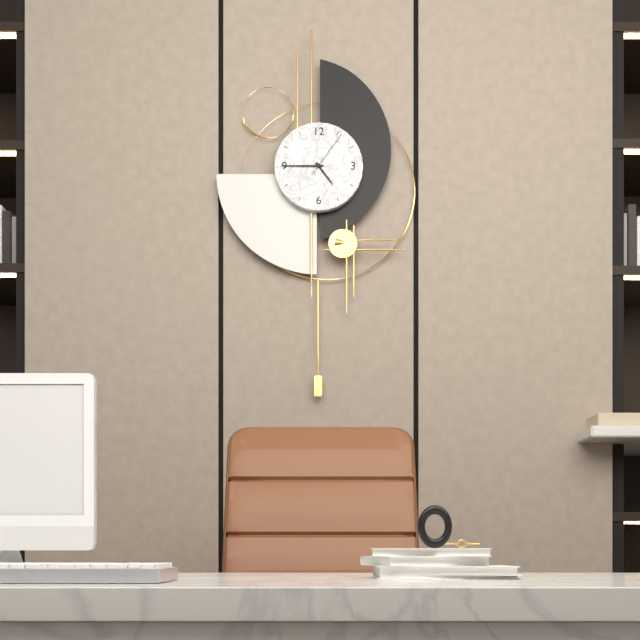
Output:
4.45
